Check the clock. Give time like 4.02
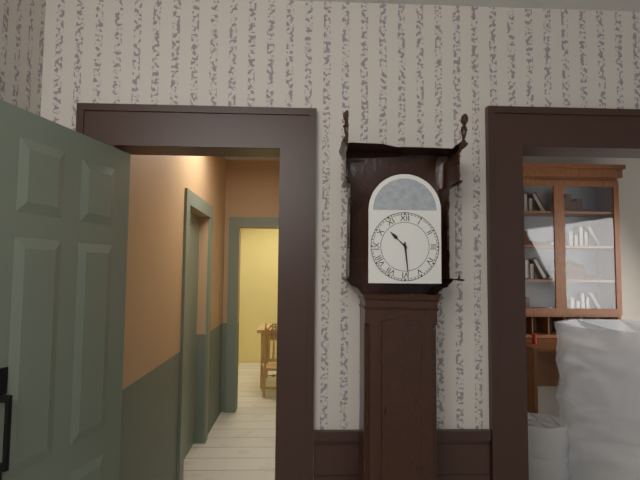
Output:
10.29
